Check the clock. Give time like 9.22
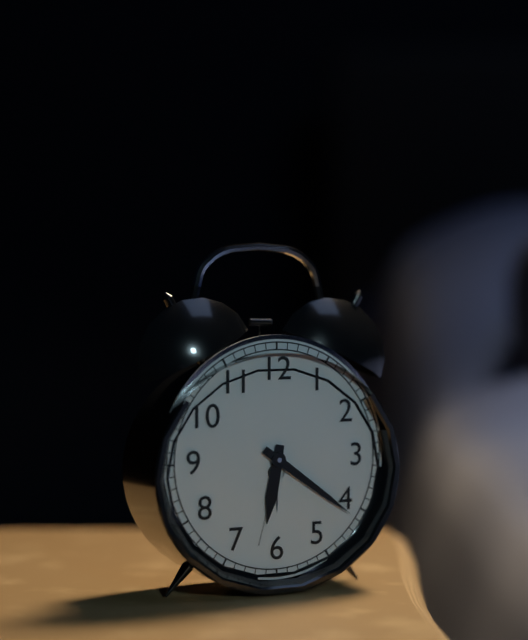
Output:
6.21
